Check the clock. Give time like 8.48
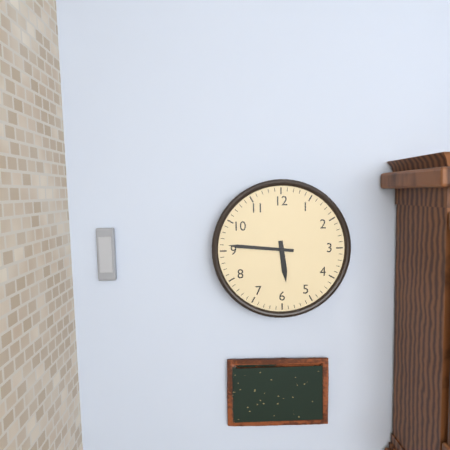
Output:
5.46
